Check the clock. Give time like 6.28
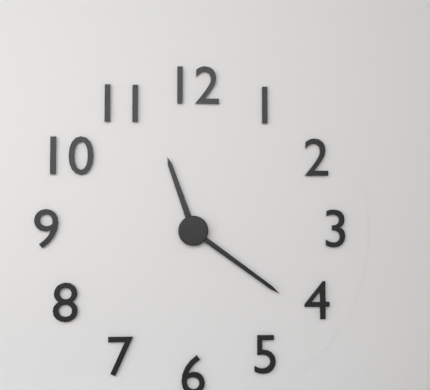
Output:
11.21
